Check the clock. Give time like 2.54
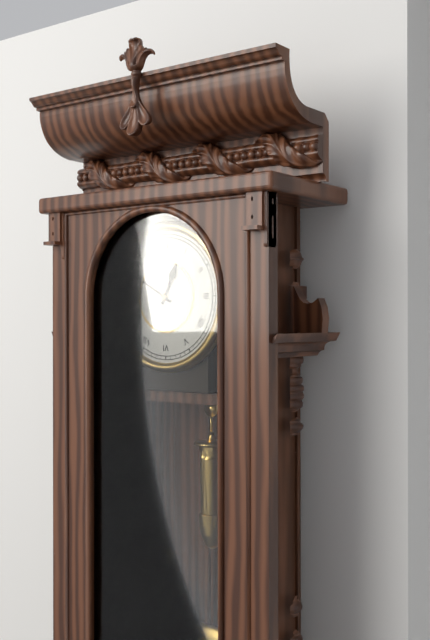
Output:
12.50
